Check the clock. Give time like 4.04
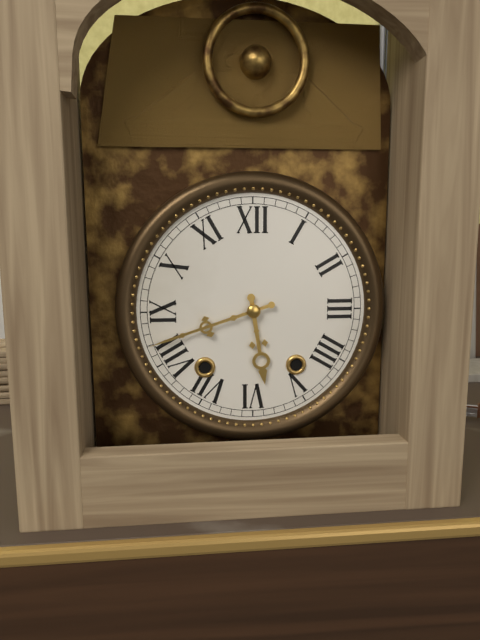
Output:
5.42
